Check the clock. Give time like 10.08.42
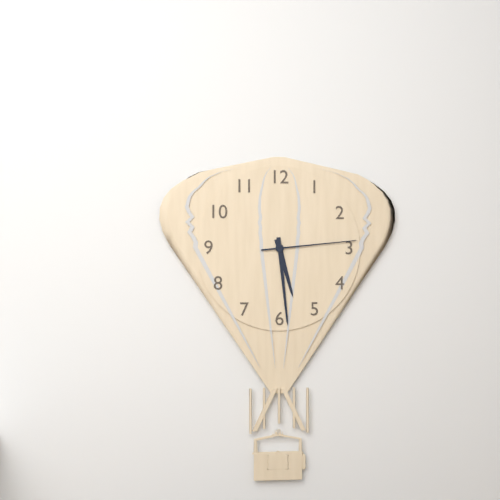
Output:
5.29.14
